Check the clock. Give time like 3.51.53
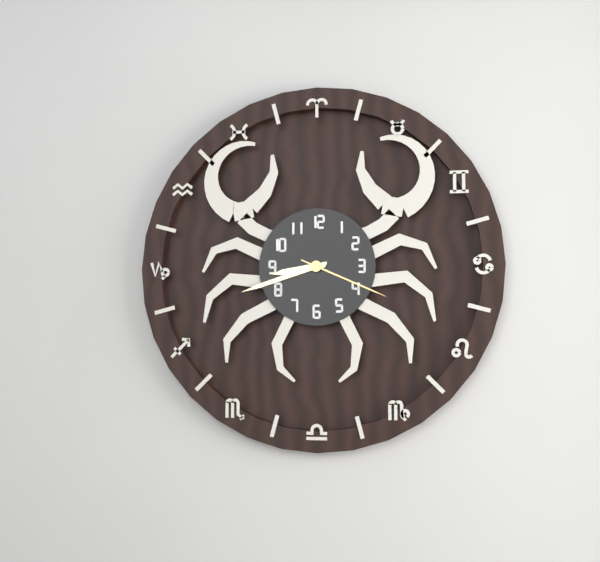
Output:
8.42.19
